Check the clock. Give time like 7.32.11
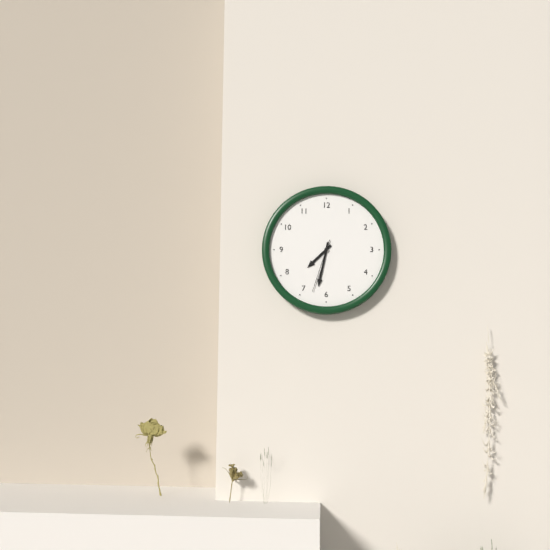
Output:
7.32.33
